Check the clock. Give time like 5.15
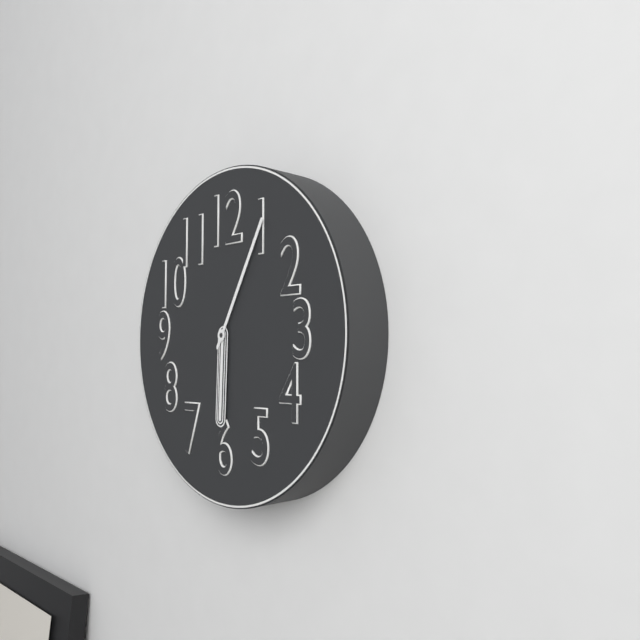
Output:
6.05
